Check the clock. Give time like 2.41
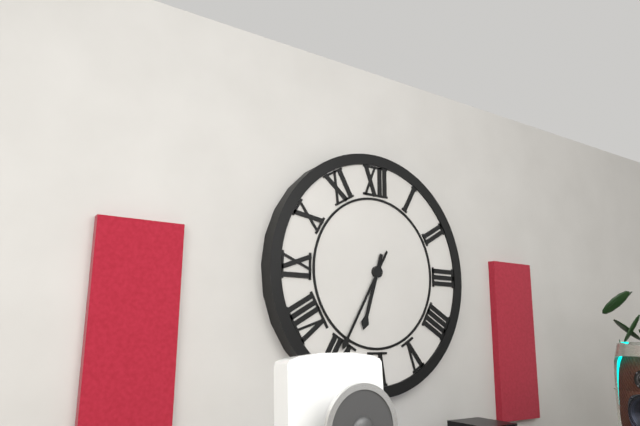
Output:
6.35
